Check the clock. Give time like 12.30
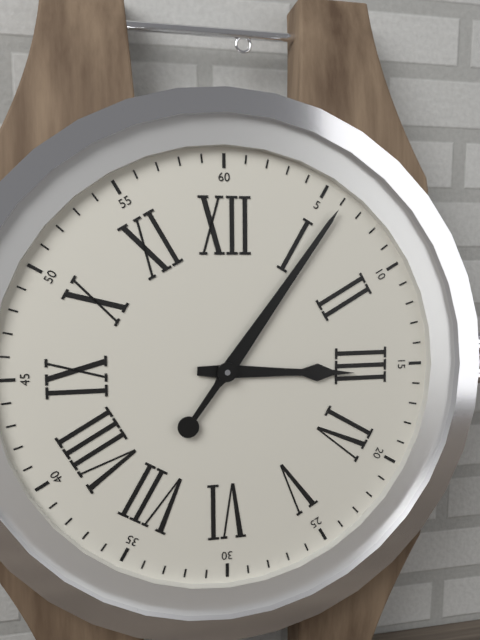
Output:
3.06
